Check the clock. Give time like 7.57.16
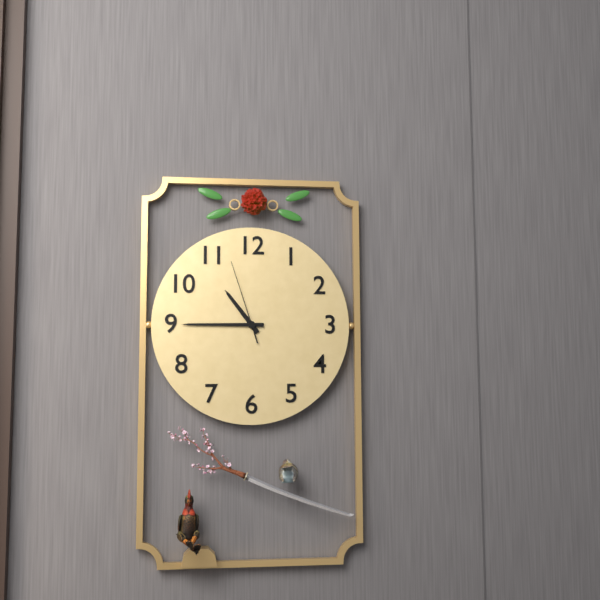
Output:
10.45.57
